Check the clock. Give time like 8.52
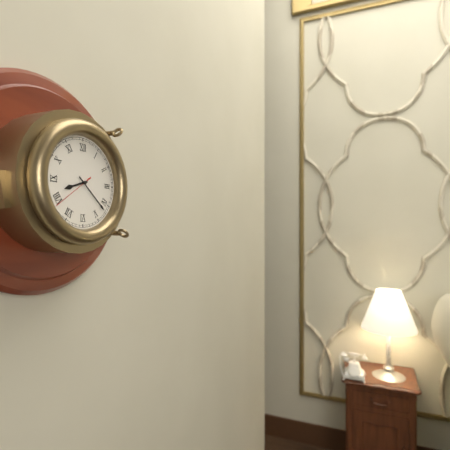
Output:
8.22
